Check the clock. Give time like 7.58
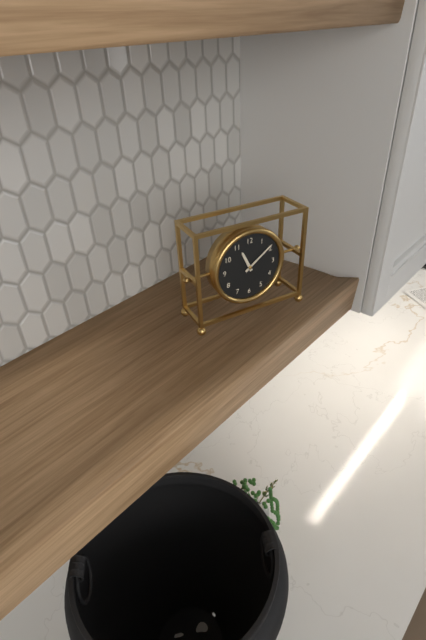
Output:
11.09
